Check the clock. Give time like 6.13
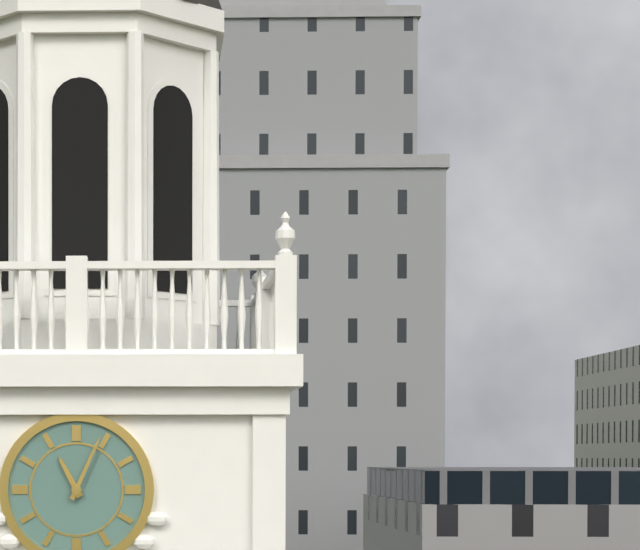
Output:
11.04
